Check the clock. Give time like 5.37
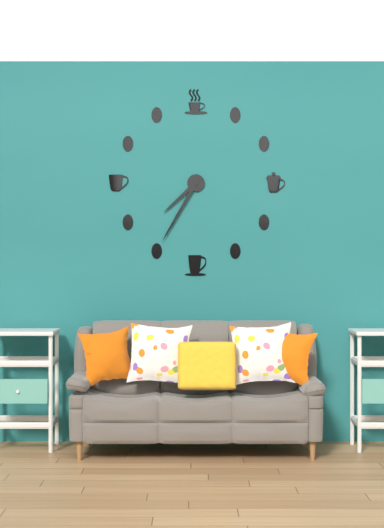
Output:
7.35
